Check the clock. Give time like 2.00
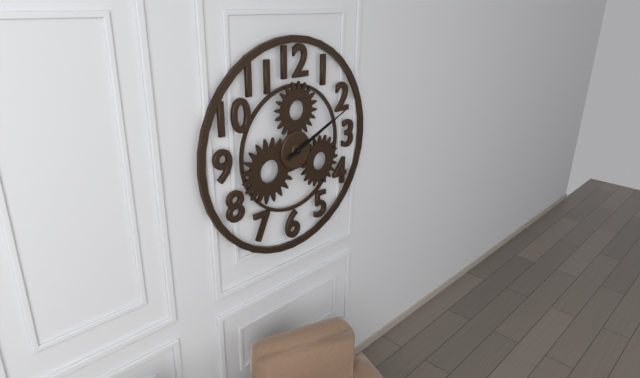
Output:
2.11
